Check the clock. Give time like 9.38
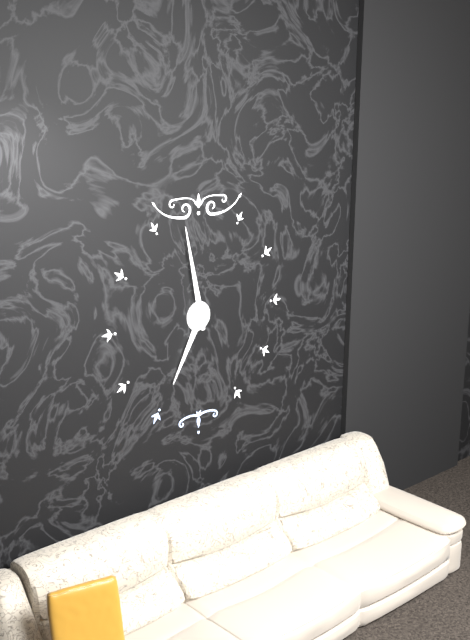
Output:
6.58
